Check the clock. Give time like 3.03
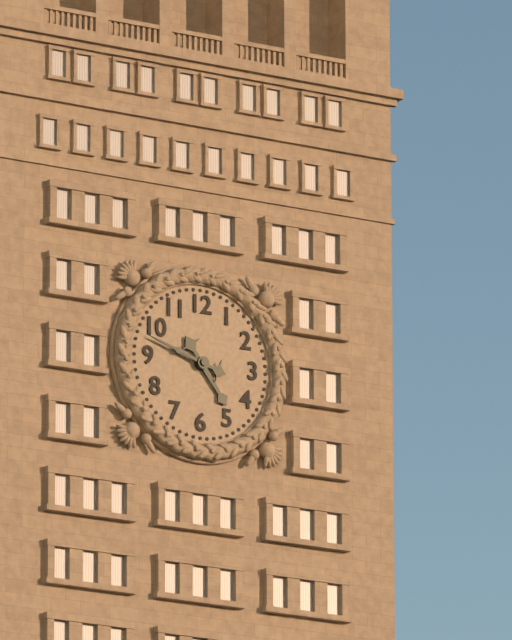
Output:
4.48
